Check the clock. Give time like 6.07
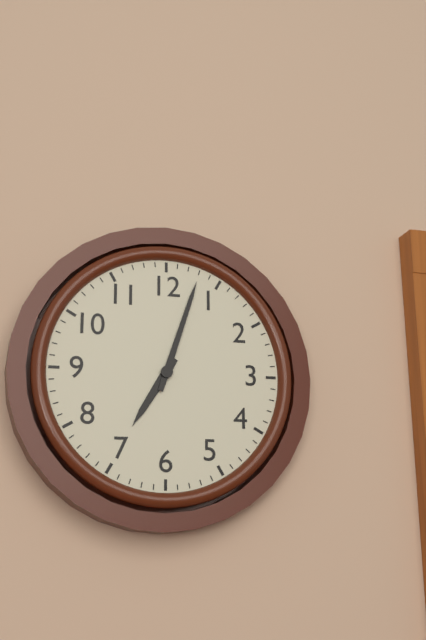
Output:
7.03
